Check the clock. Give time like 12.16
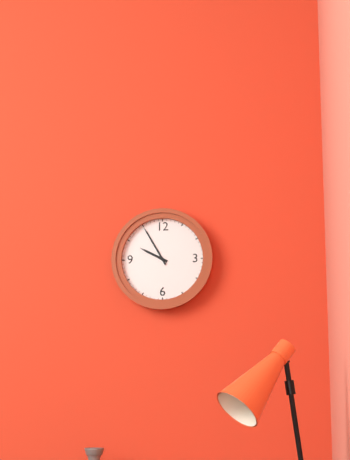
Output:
9.55
